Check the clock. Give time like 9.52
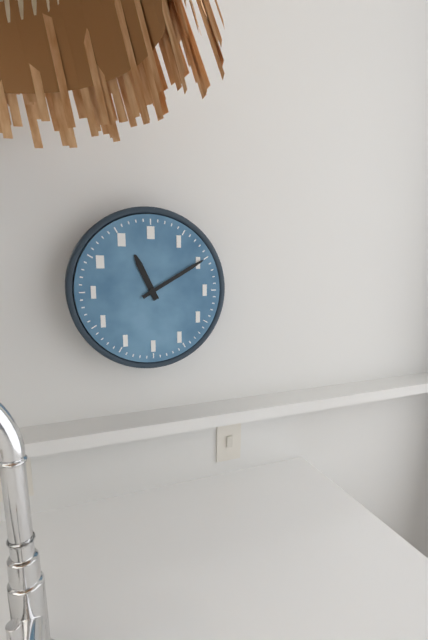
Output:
11.10
